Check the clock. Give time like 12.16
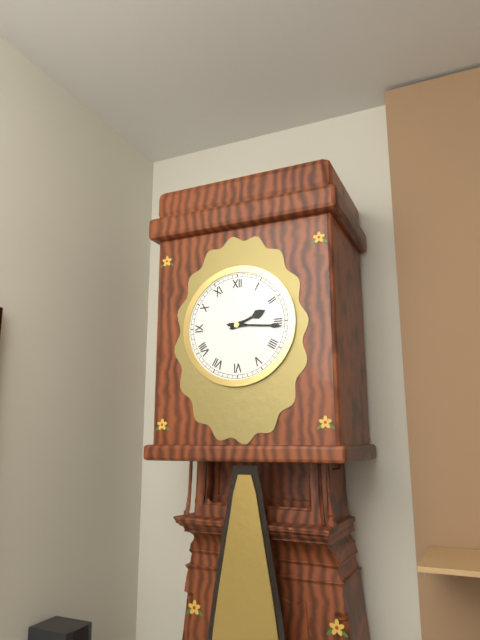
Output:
2.16
